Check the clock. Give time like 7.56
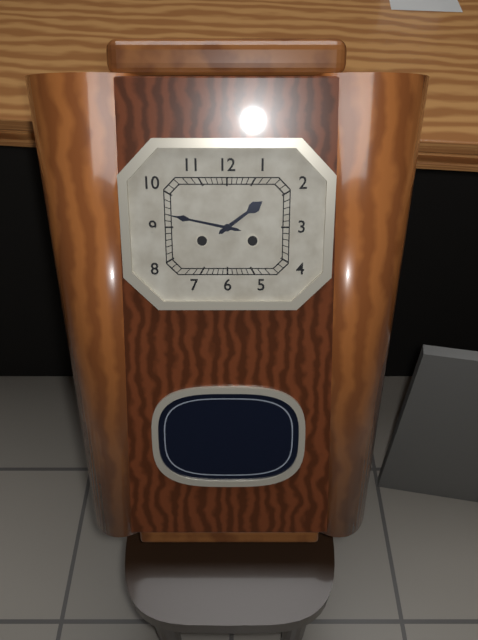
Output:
1.47
